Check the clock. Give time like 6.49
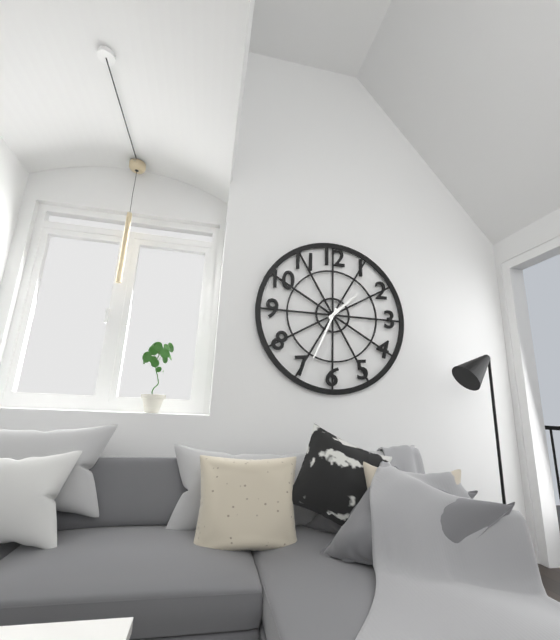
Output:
1.34
